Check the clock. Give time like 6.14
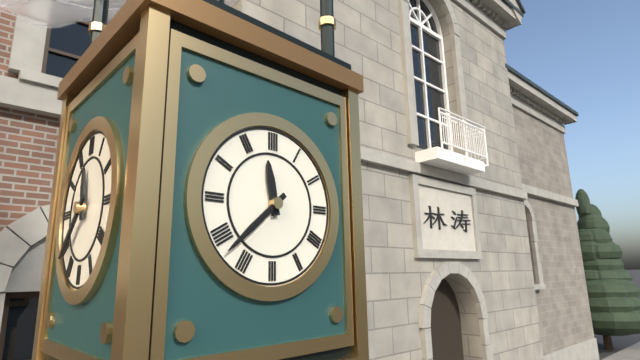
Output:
11.38
